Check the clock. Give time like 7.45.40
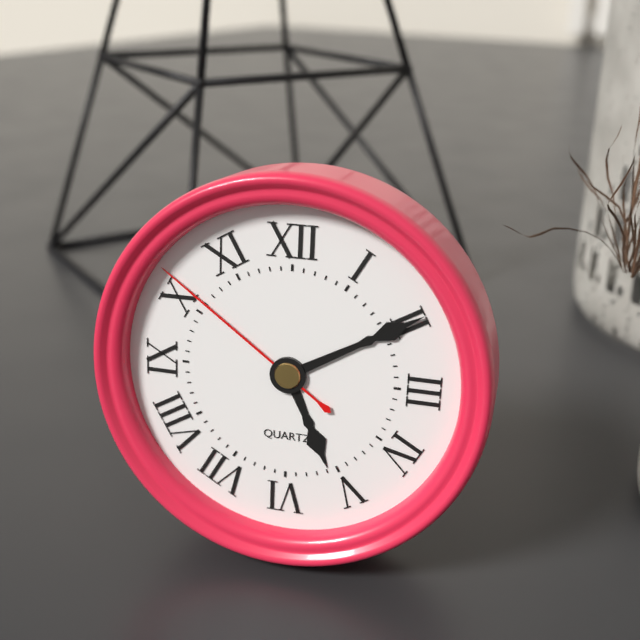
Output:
5.10.51
